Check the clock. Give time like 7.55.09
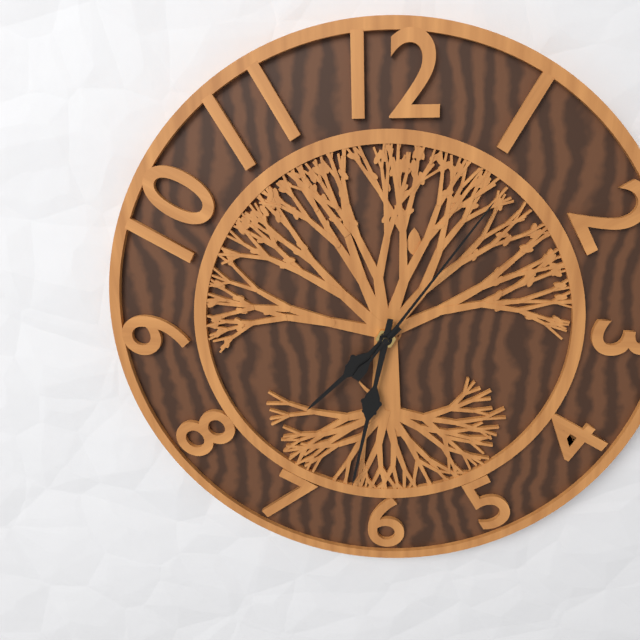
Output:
7.32.06
